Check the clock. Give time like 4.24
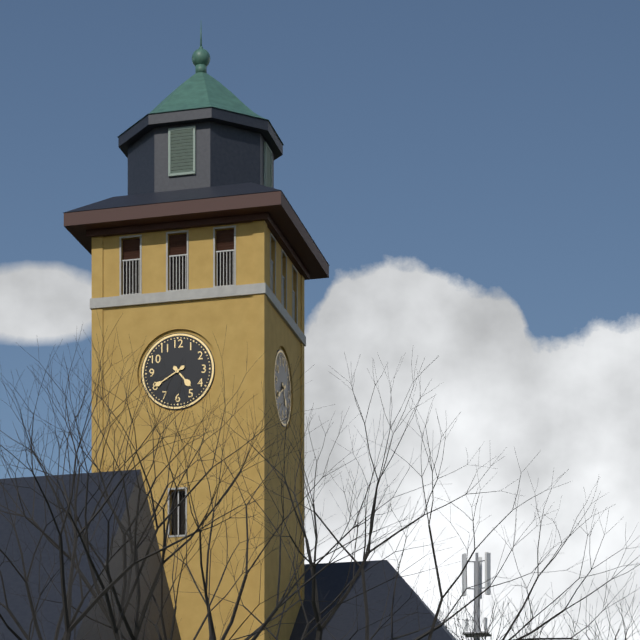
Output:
4.40
